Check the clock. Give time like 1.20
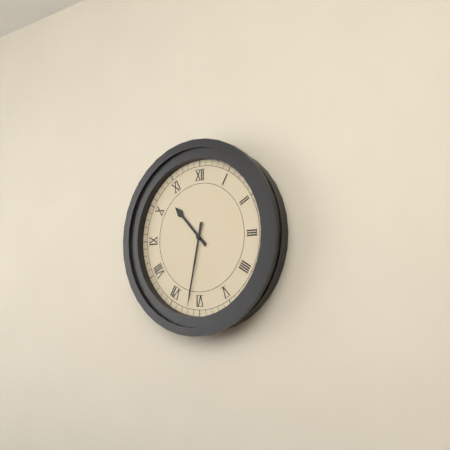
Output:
10.32
